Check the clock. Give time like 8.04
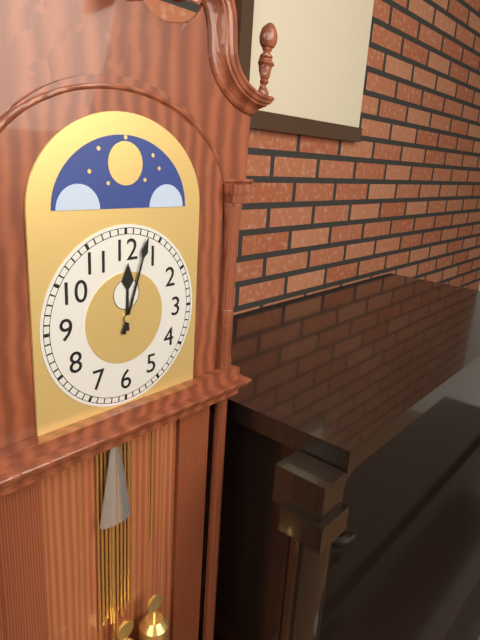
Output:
12.03
